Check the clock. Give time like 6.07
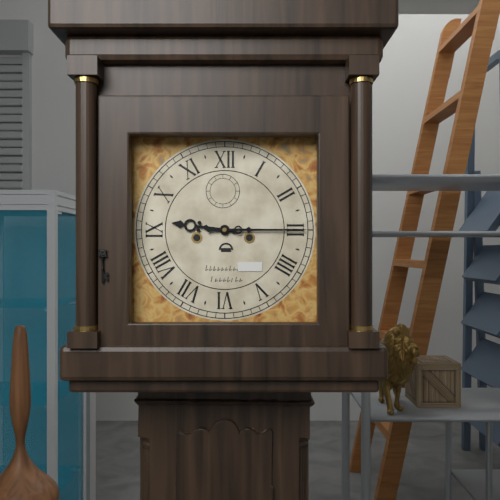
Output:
9.15
